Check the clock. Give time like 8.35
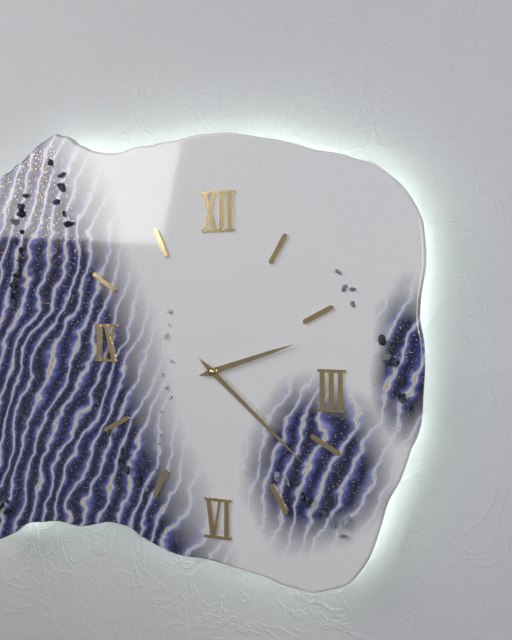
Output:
2.22
